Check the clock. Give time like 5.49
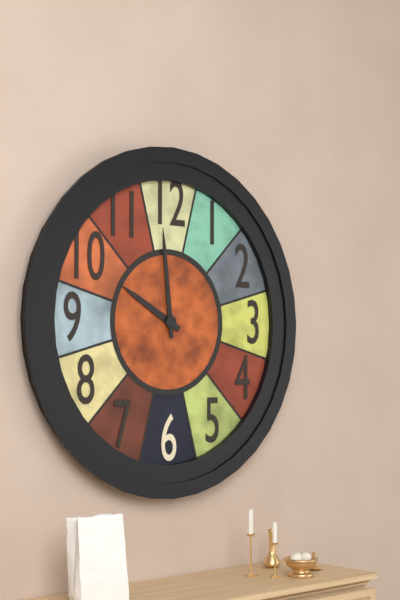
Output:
9.59
